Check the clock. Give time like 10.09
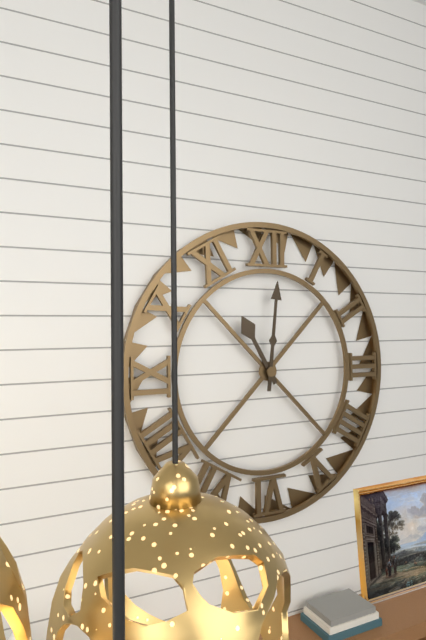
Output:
11.01
